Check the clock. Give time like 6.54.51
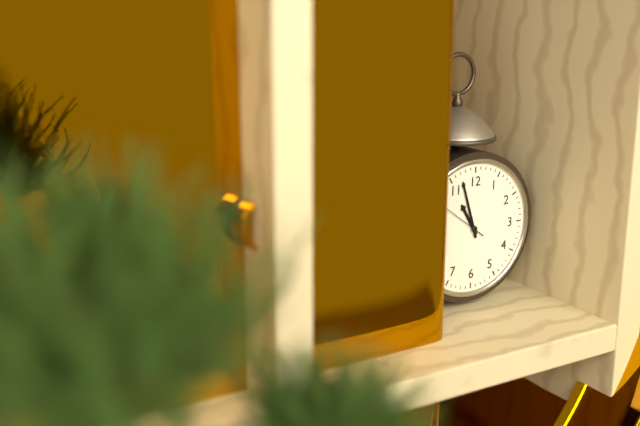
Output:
10.57.51
